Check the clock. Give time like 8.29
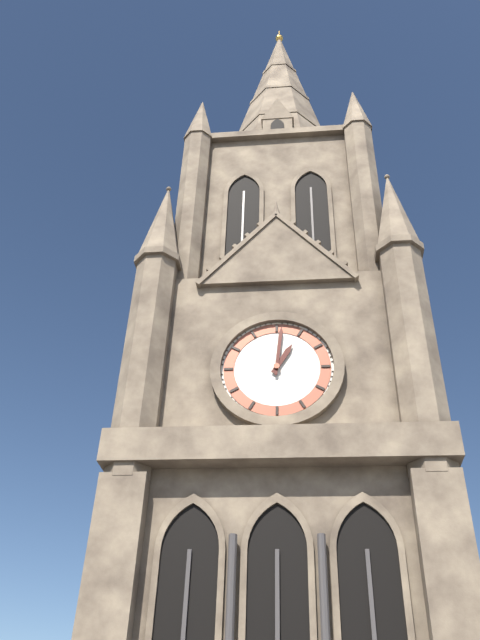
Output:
1.01
